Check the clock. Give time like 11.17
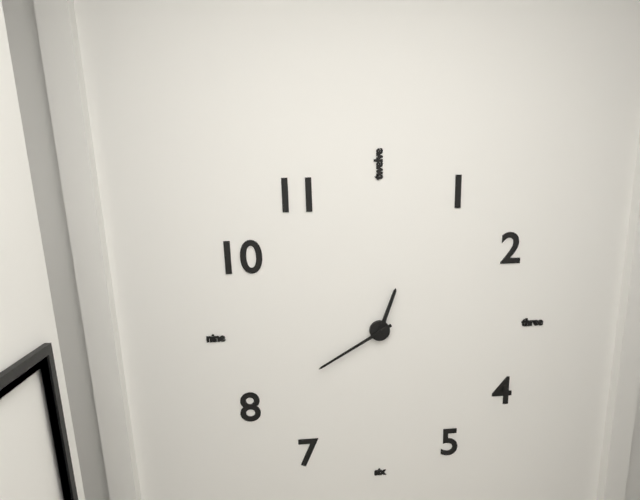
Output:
12.40
